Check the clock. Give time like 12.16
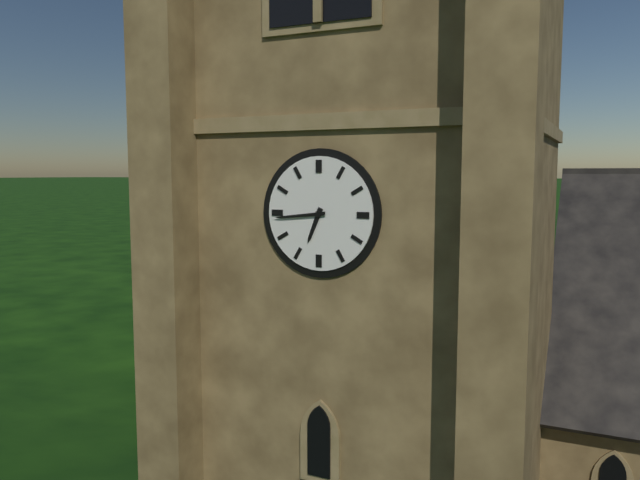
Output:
6.44
